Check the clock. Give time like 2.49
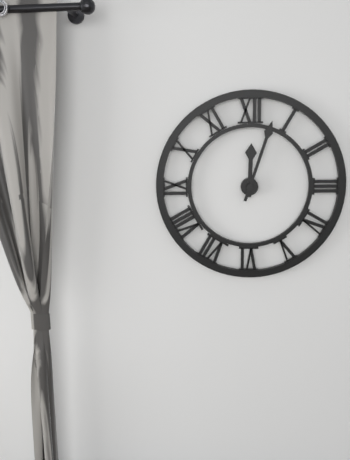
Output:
12.03
